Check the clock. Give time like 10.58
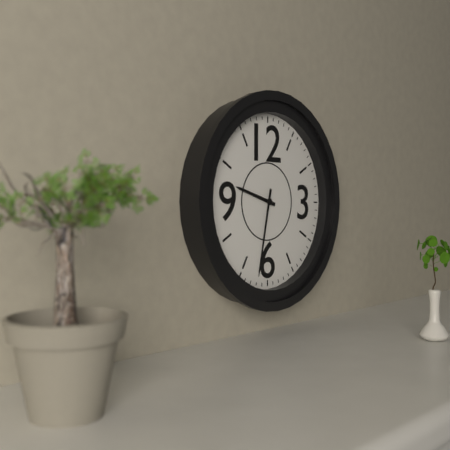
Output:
9.32
